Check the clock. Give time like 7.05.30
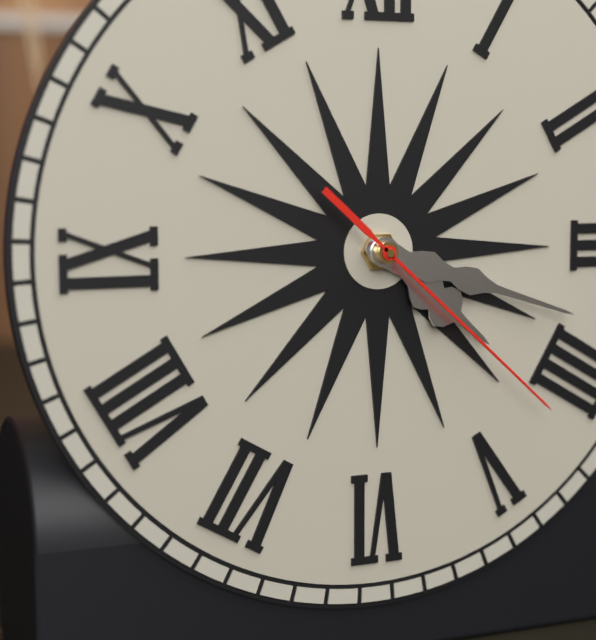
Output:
4.18.22
